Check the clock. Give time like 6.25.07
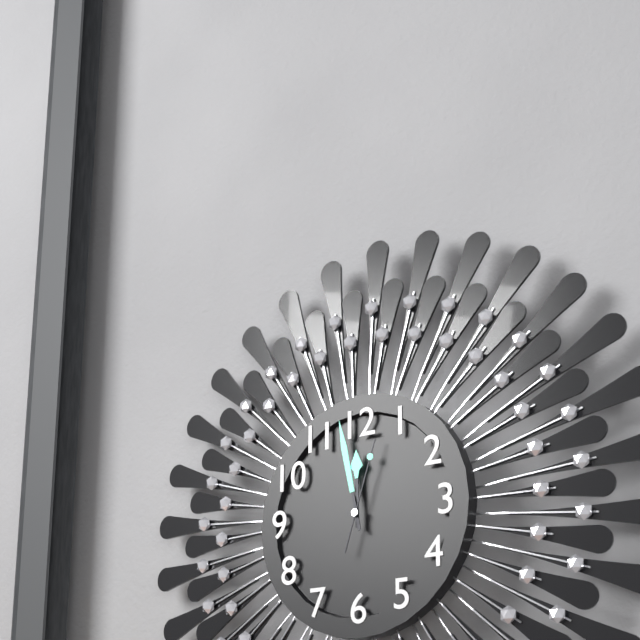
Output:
11.58.03
